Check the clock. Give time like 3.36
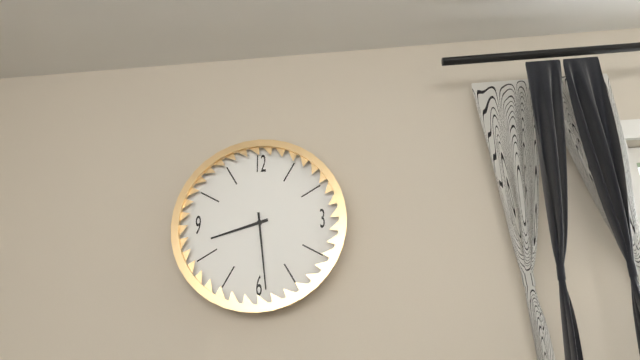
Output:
8.29
